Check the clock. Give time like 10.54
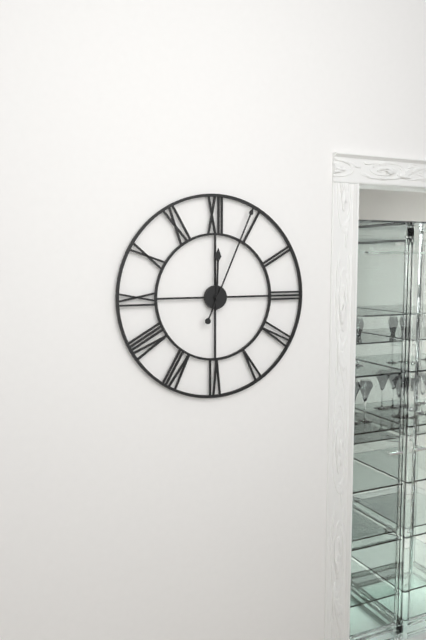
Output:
12.04
